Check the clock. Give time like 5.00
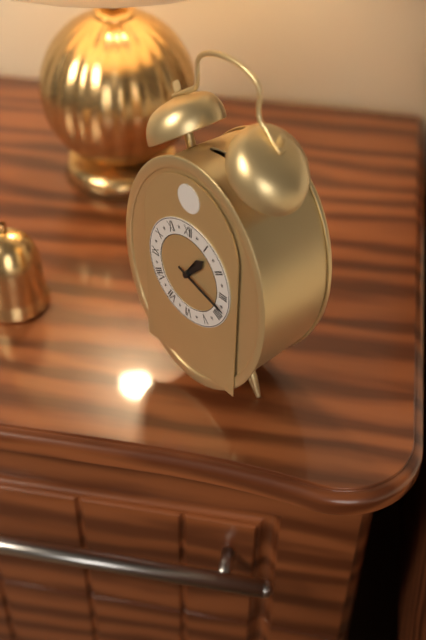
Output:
1.18
